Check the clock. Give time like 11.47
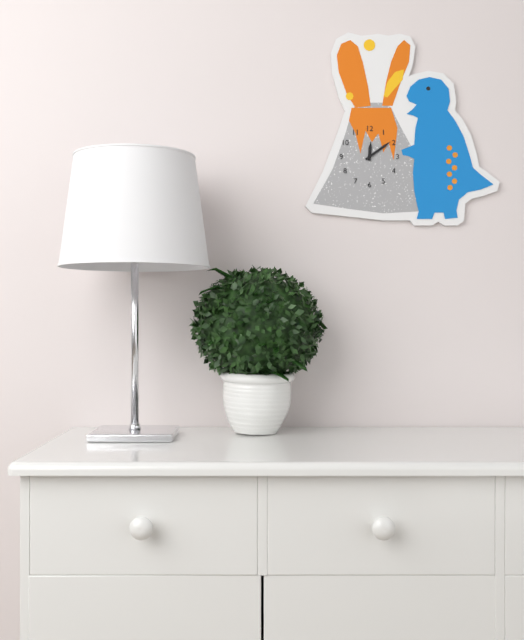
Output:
12.09
